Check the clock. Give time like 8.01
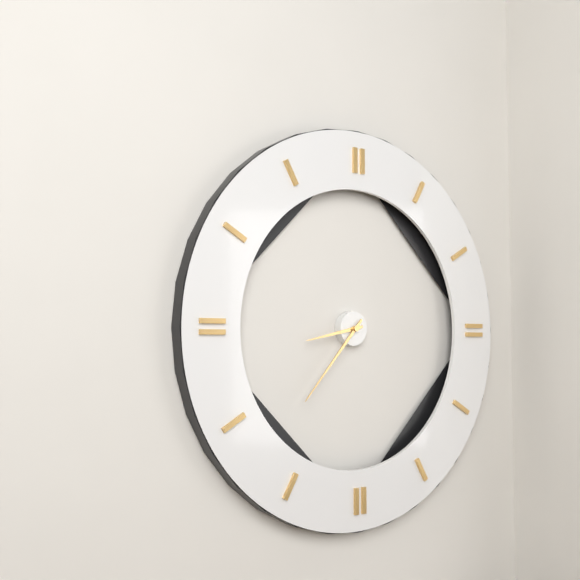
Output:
8.37
